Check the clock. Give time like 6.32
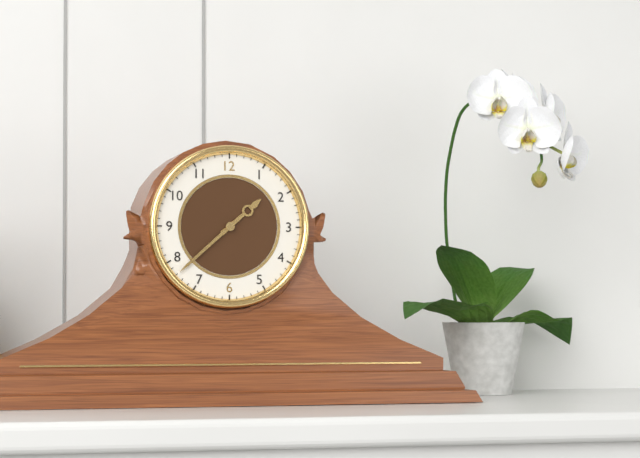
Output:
1.38
